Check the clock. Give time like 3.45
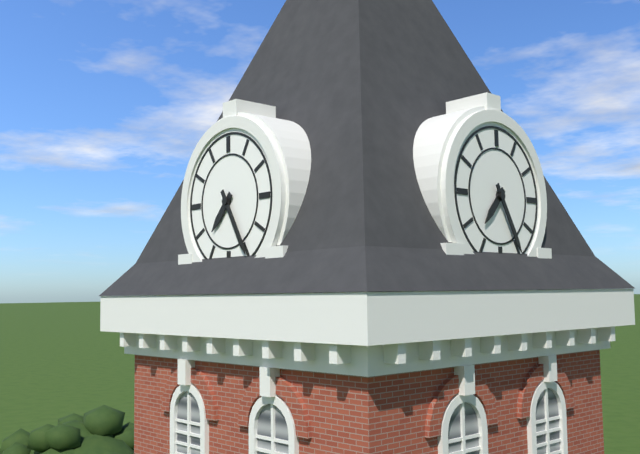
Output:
7.25
